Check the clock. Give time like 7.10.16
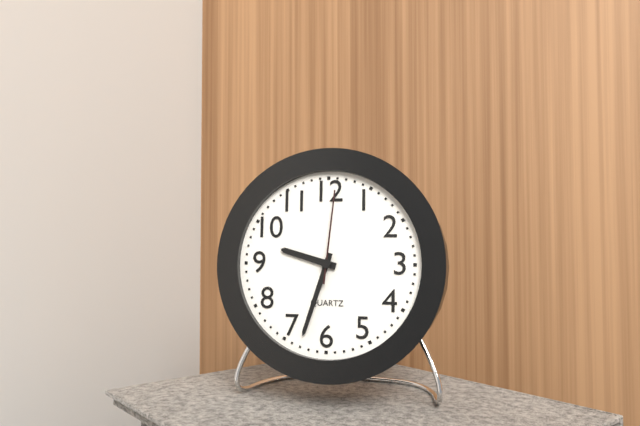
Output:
9.33.01
